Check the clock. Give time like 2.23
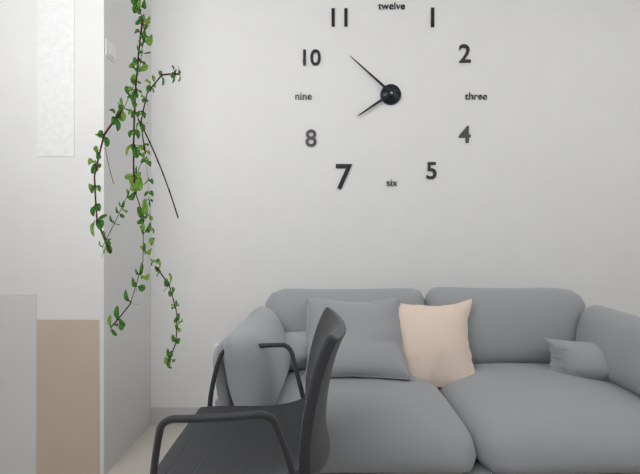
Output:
7.52
